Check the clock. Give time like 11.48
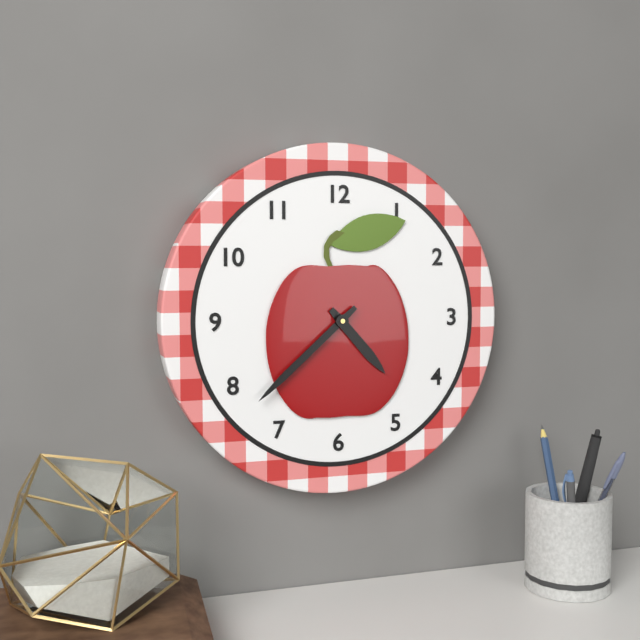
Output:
4.38
